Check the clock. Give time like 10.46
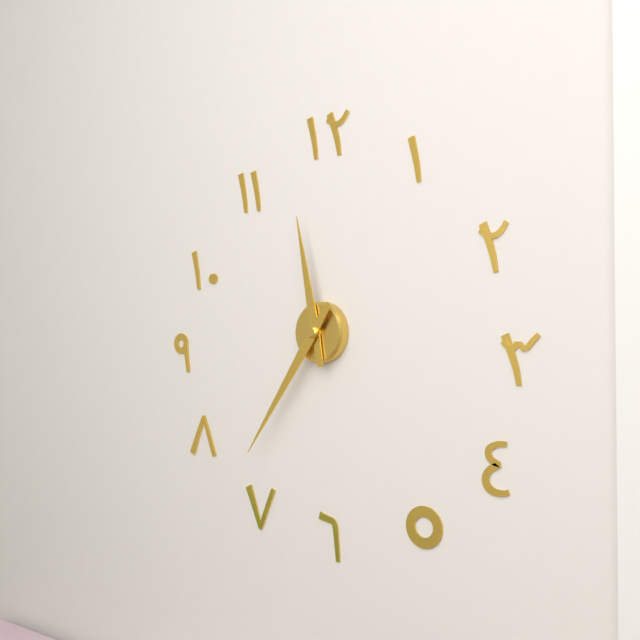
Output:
11.36
